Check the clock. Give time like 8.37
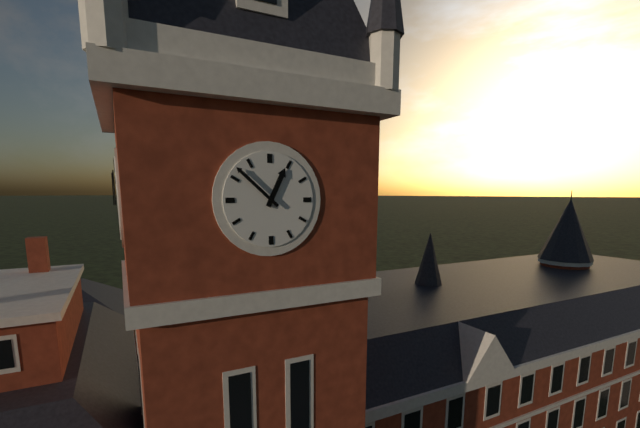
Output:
12.52
